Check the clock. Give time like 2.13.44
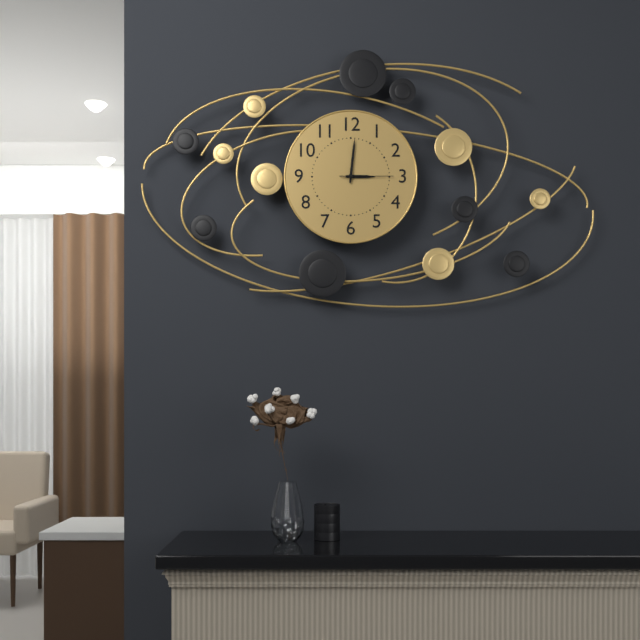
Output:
3.01.15
